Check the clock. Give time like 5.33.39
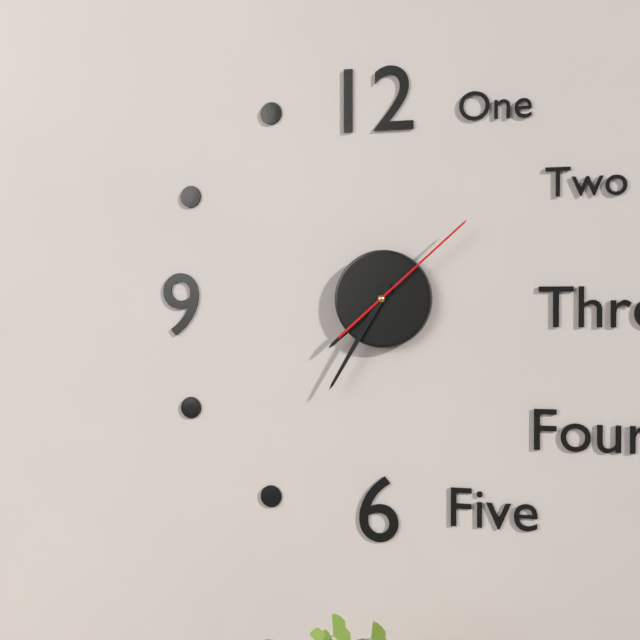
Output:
7.35.08
